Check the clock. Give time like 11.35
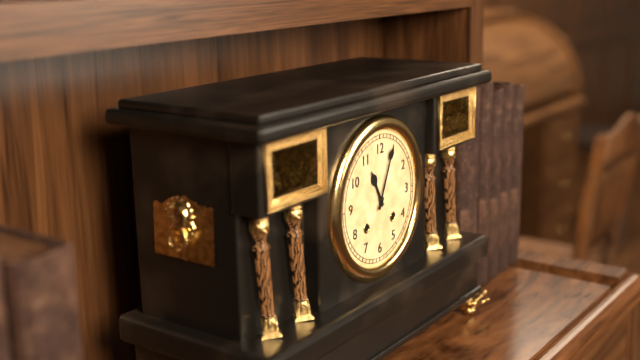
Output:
11.04
